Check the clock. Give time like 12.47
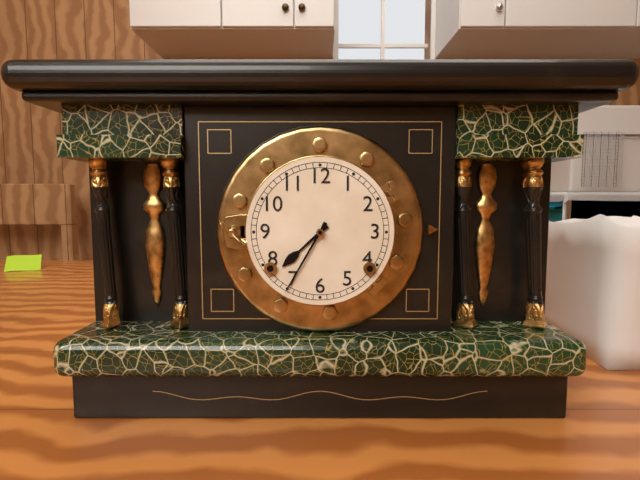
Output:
7.35
